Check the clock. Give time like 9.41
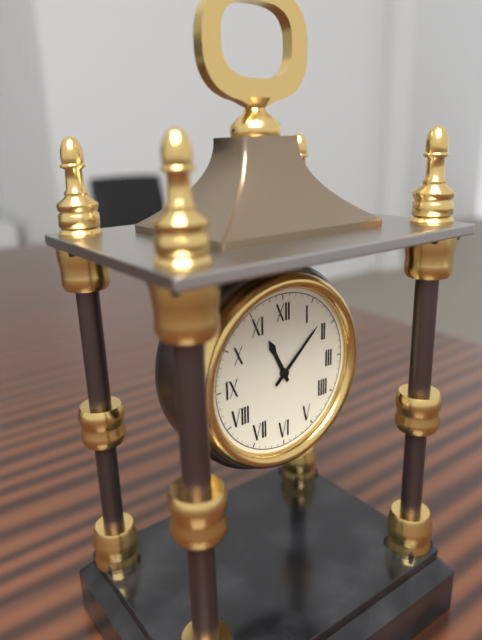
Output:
11.08
